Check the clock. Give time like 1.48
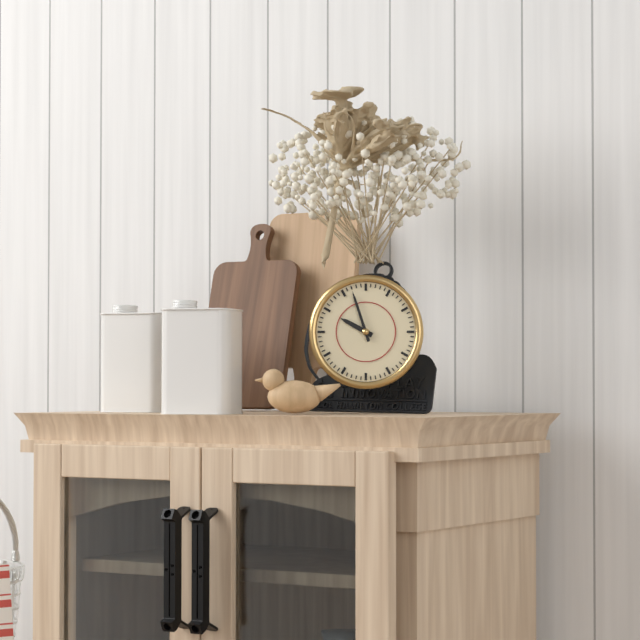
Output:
9.57
